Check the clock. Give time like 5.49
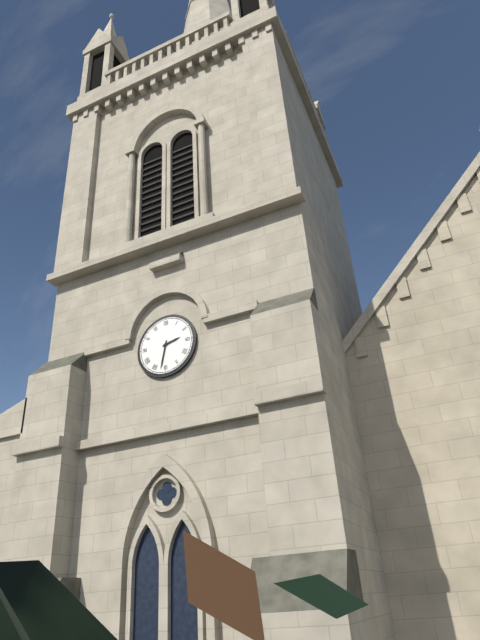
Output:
2.32
